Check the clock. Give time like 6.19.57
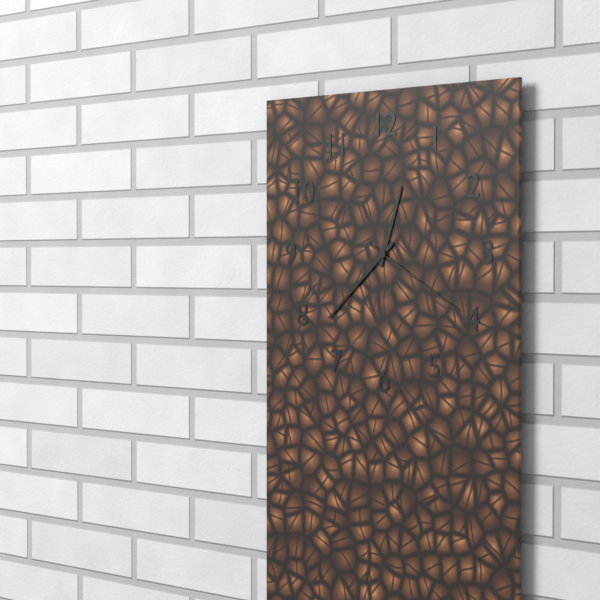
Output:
12.38.20
